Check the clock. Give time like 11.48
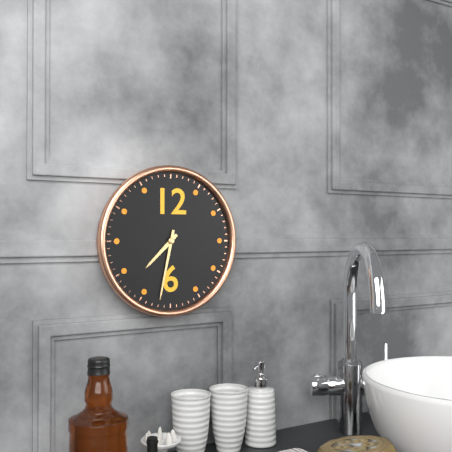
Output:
7.32
